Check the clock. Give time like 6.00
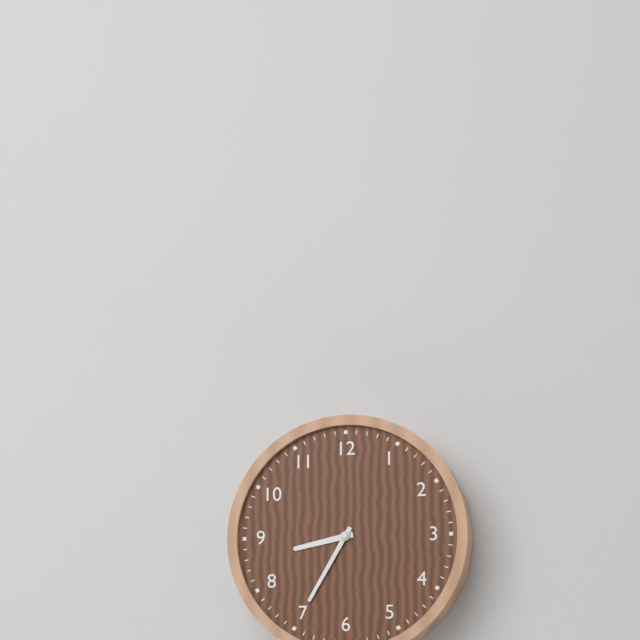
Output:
8.35
